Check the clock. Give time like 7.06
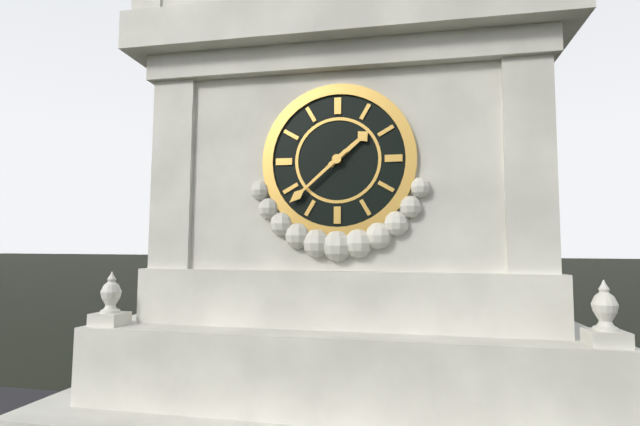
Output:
1.38
